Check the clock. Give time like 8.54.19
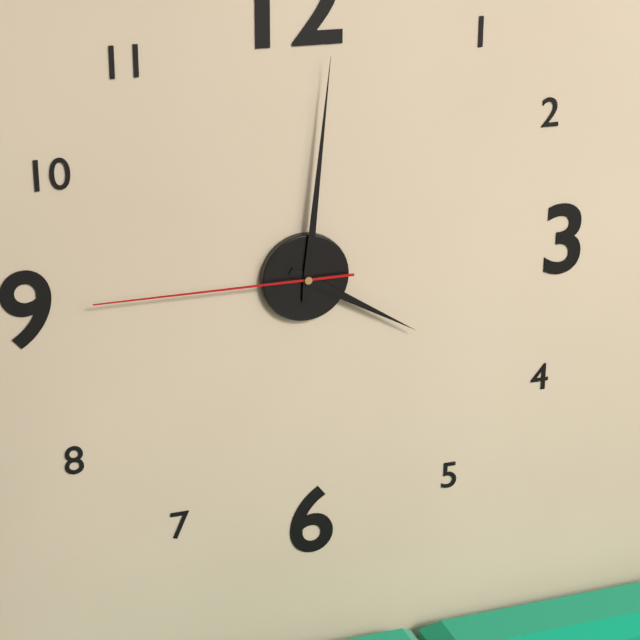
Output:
4.01.45
